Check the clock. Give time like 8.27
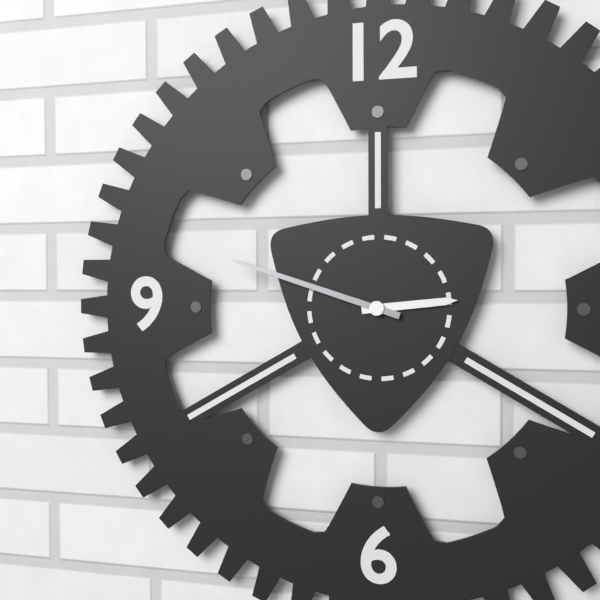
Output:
2.48
